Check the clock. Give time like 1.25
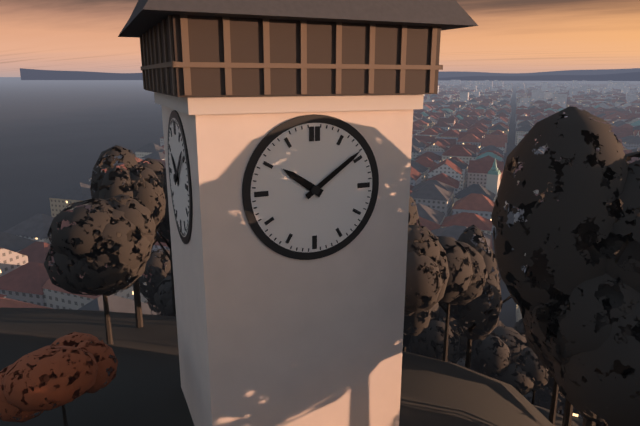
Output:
10.09
